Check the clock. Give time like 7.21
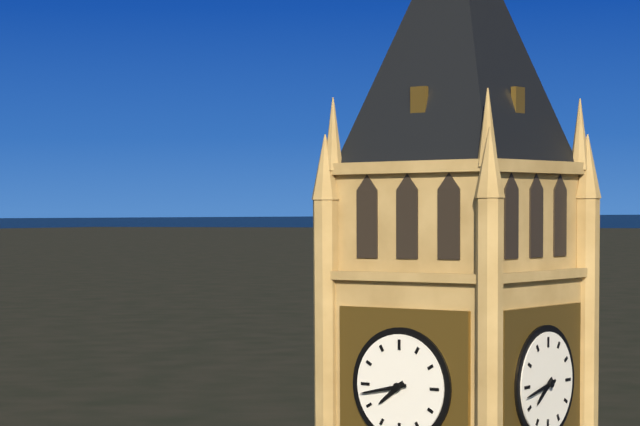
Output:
7.43
